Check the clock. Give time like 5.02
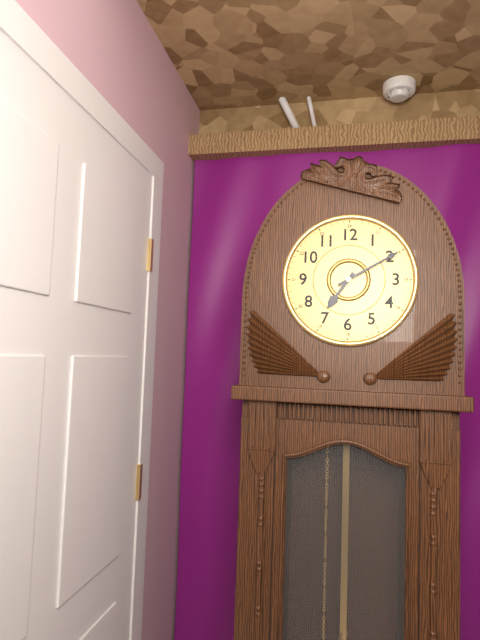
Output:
7.10
